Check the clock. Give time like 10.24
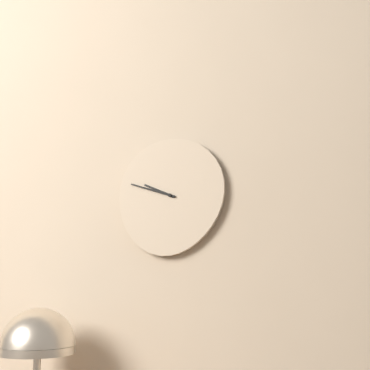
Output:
9.48
